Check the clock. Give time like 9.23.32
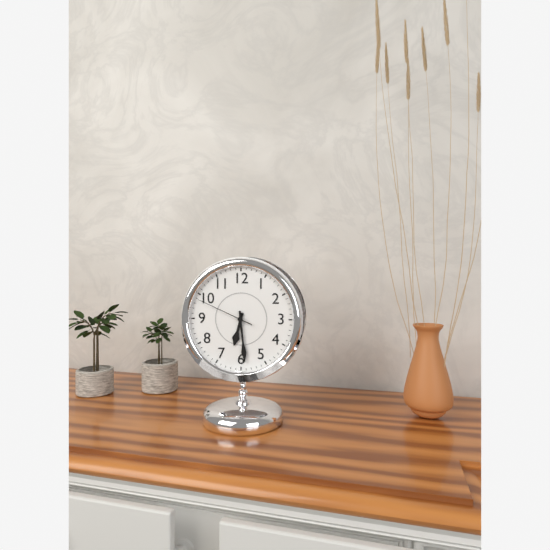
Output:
6.29.49
